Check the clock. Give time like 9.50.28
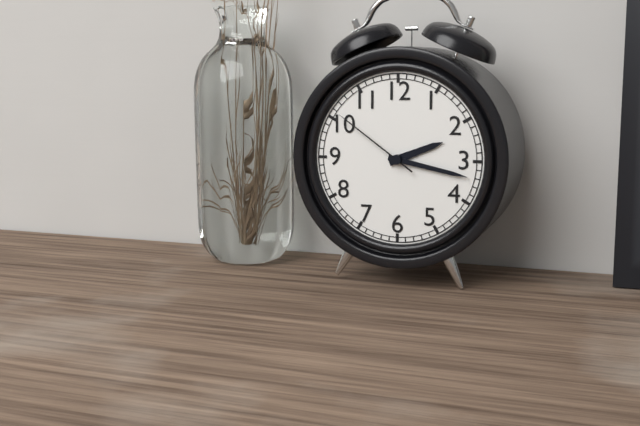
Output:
2.17.51
